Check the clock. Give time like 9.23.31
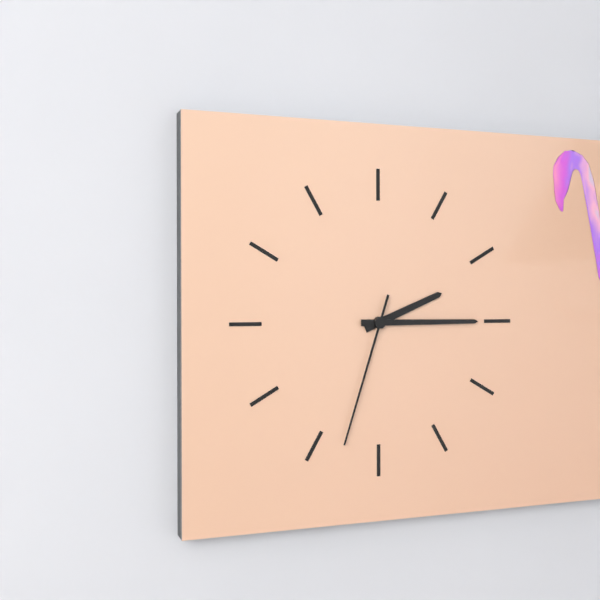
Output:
2.15.33
